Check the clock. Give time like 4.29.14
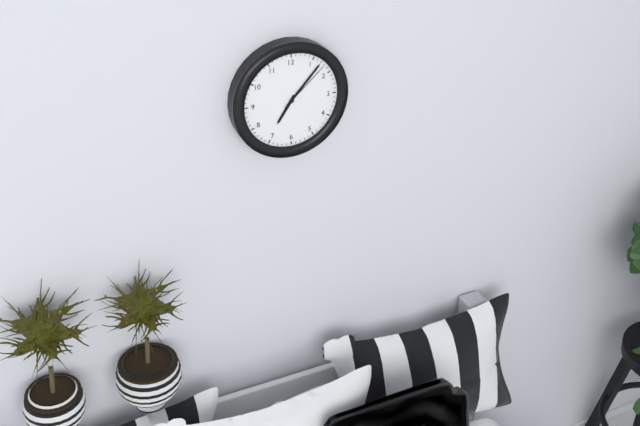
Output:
7.07.08
